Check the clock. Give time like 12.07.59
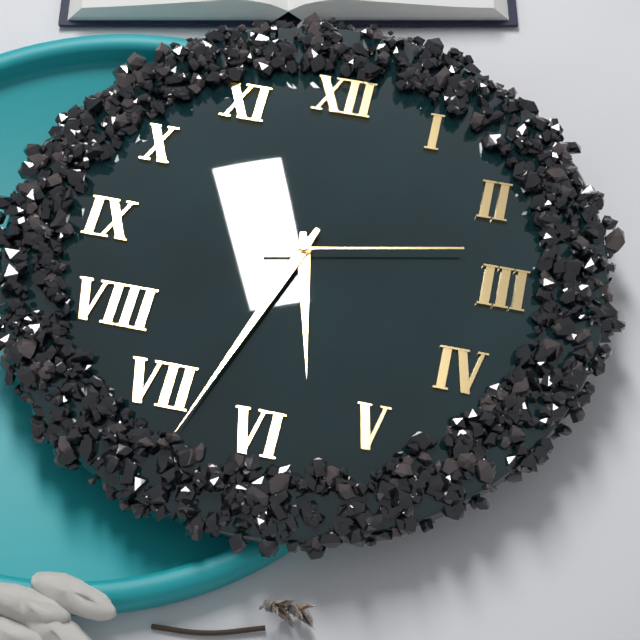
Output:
5.33.13
